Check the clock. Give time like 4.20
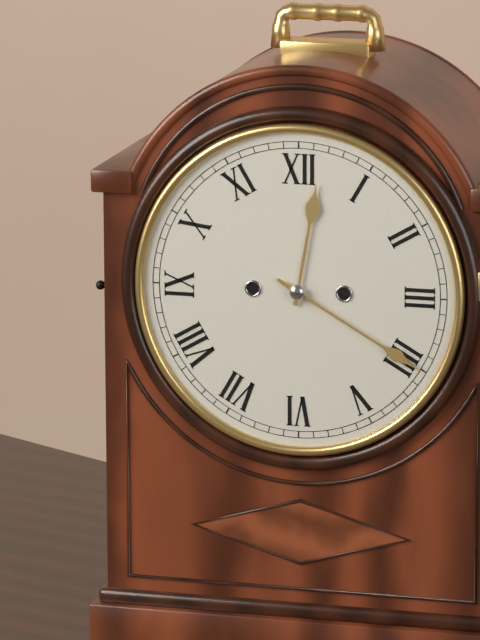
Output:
12.20
